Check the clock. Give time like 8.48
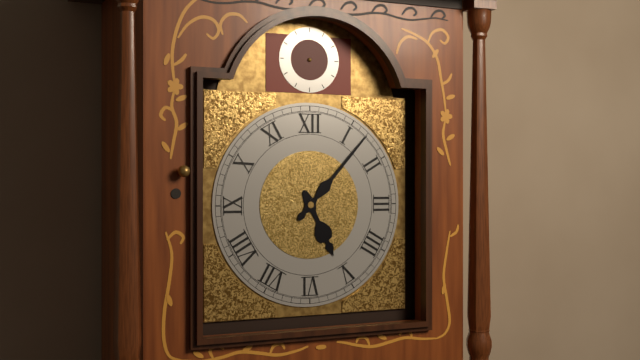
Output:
5.07
